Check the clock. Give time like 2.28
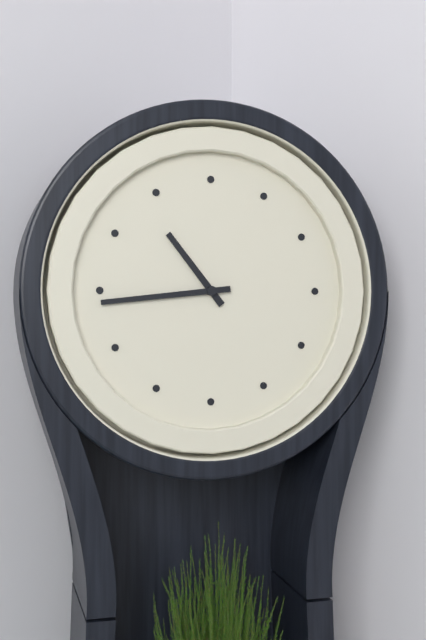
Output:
10.44
